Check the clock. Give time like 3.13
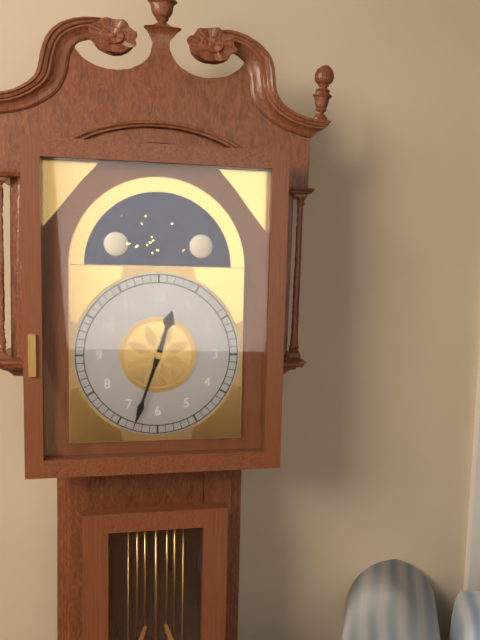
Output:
12.33
